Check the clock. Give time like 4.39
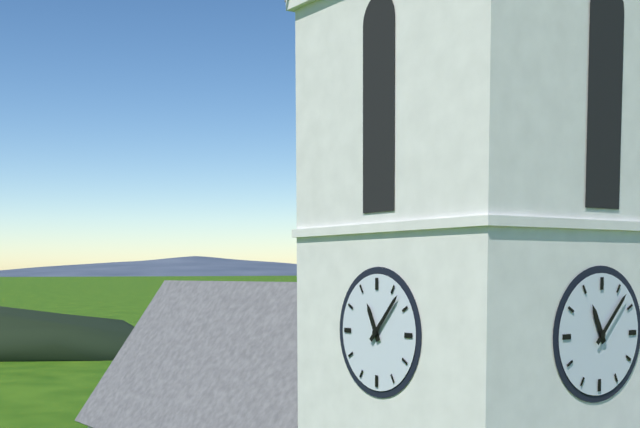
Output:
11.07
